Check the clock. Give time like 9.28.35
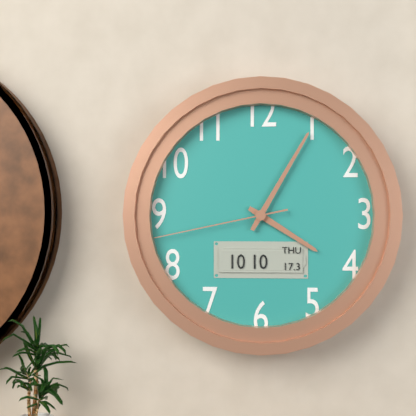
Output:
4.05.43
